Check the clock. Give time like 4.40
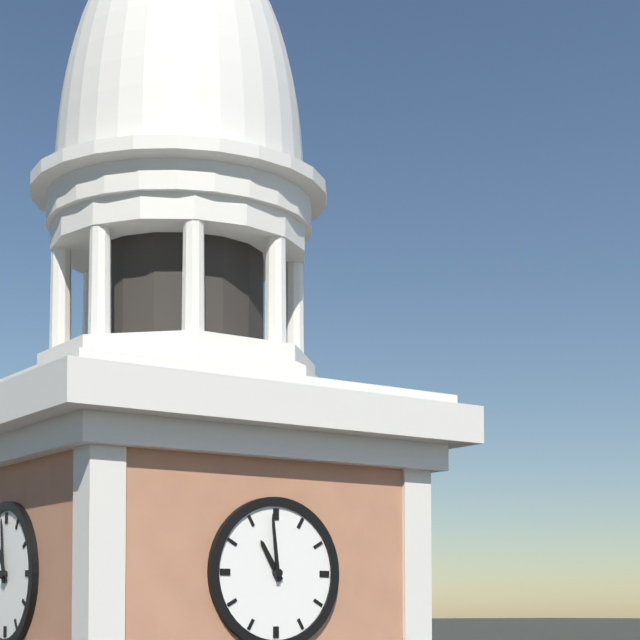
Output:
10.59
